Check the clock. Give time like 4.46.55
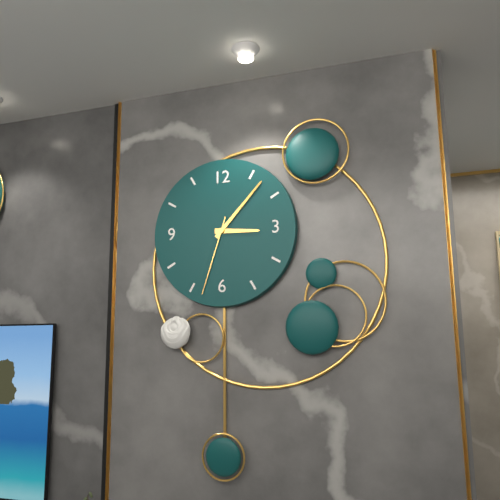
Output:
3.07.33
